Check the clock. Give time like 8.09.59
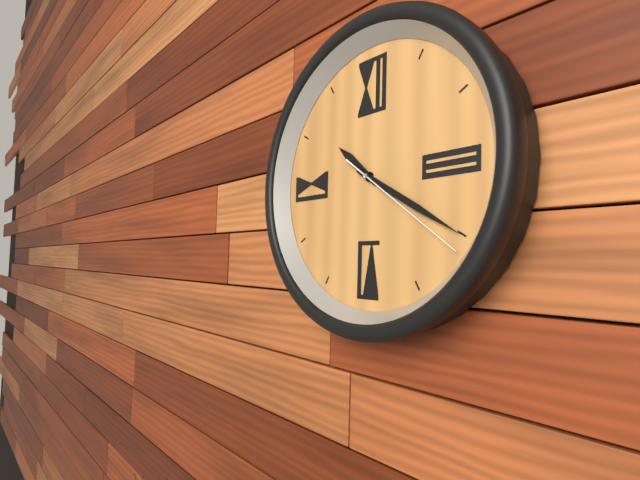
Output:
10.20.21
